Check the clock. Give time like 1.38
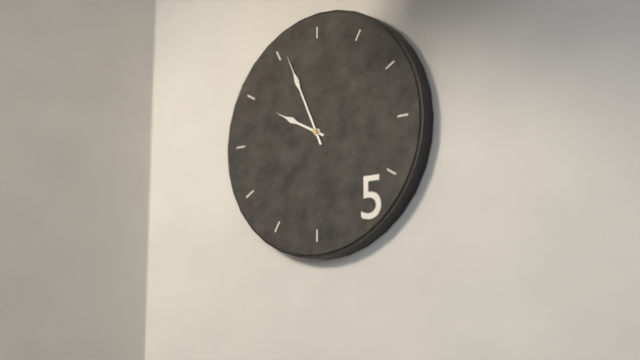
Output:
9.56
